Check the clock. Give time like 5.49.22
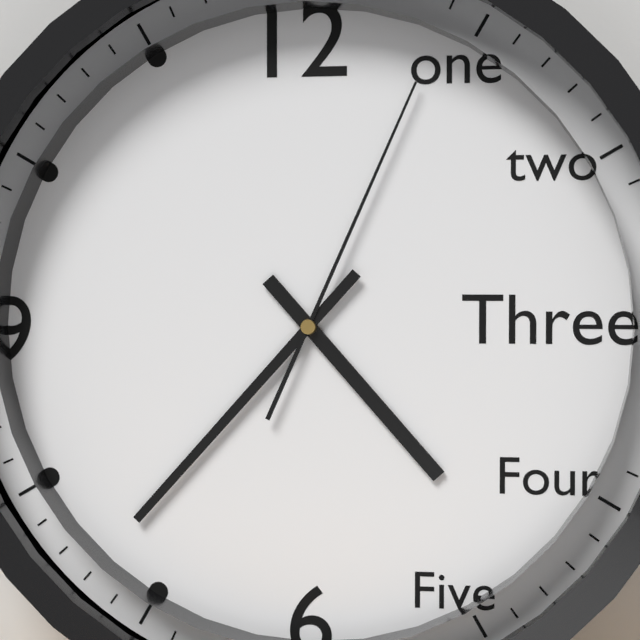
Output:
4.37.04
